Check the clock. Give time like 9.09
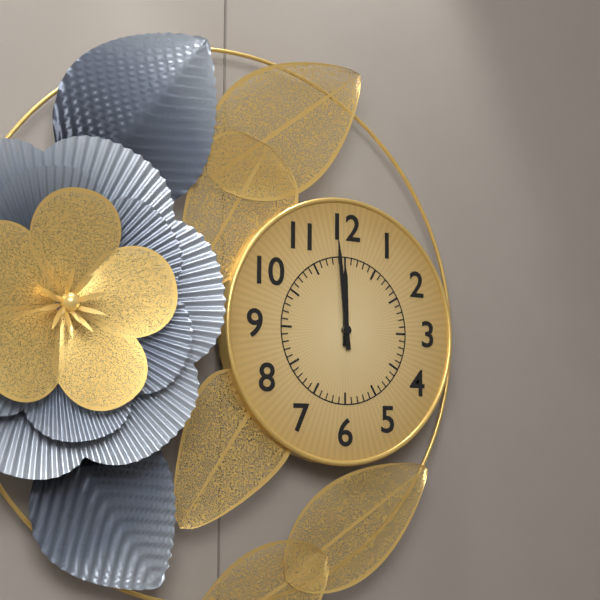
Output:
11.59
